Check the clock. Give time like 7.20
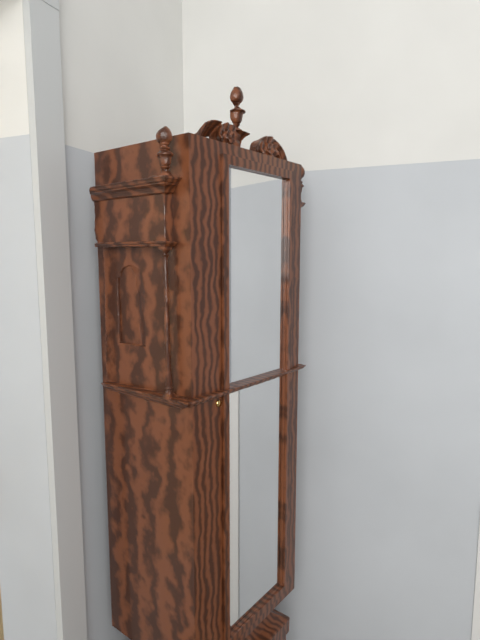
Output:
12.44
